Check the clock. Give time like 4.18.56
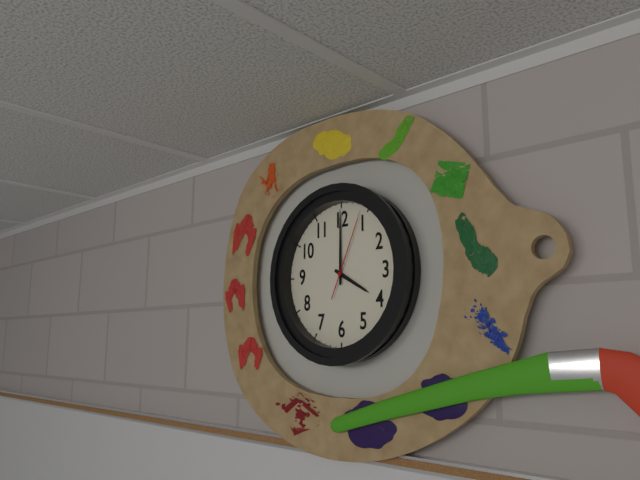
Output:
4.00.04
